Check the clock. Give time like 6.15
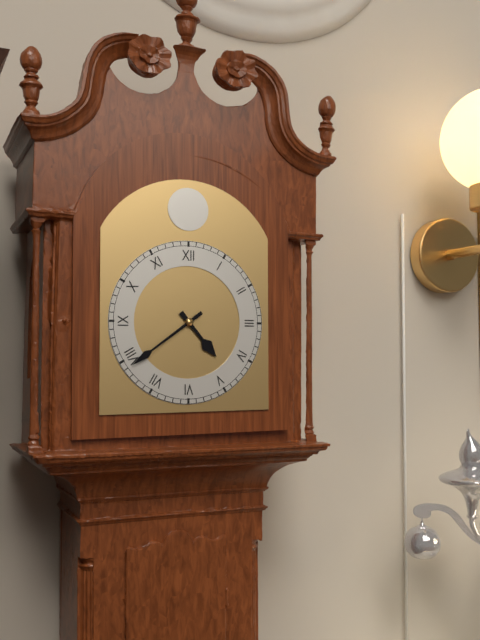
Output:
4.39
